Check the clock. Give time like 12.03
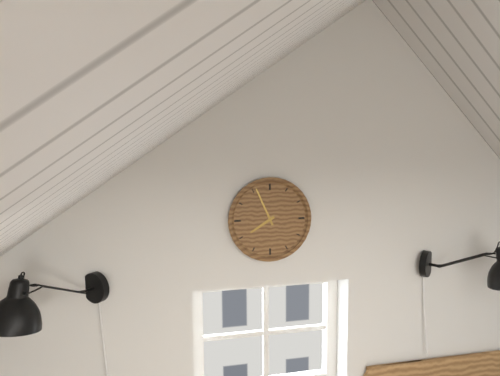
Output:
7.56
